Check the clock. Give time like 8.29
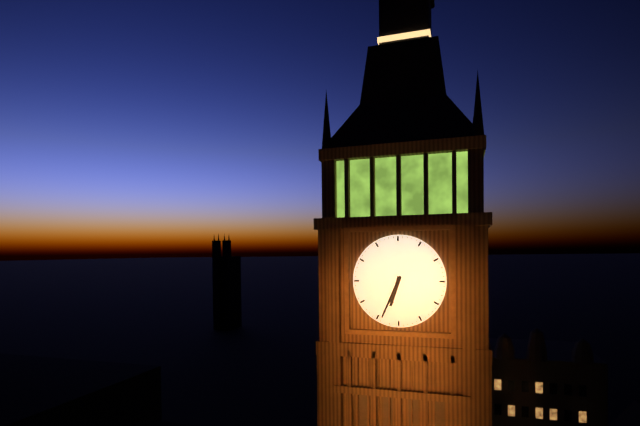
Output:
6.34
